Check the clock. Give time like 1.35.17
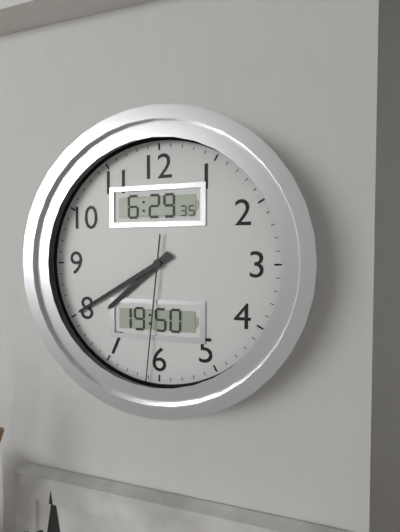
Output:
7.40.31
